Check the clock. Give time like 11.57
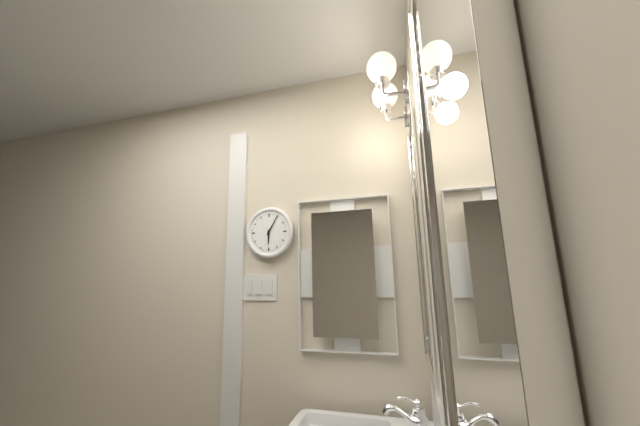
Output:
6.05
